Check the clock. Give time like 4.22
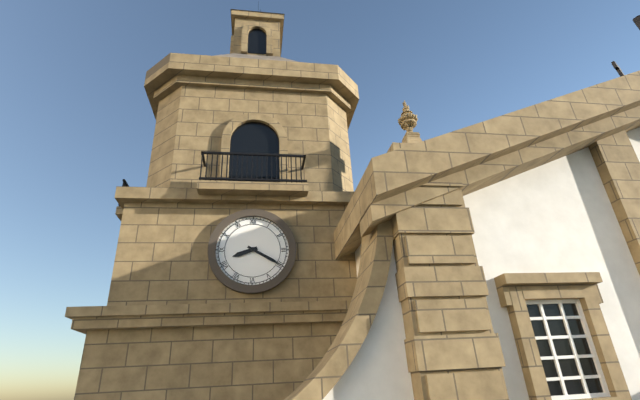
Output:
8.20
